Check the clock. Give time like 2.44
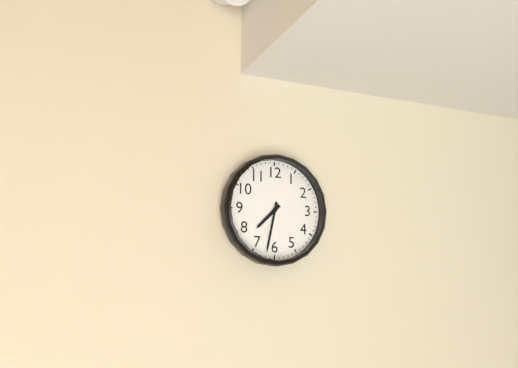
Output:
7.32
